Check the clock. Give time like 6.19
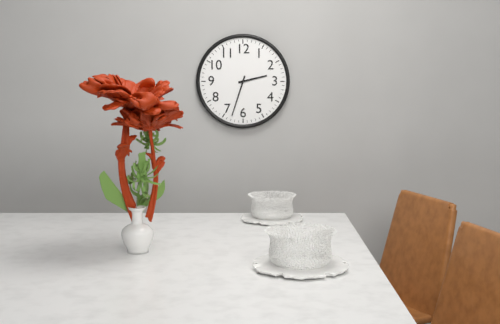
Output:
2.33
